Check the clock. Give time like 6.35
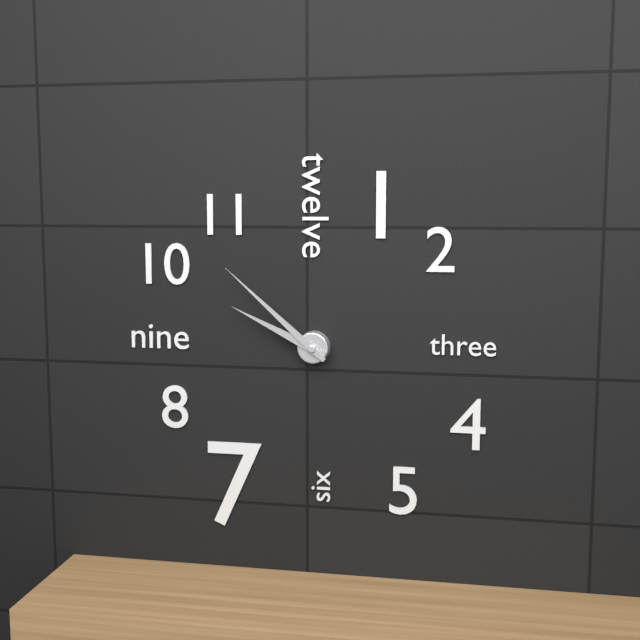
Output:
9.52
